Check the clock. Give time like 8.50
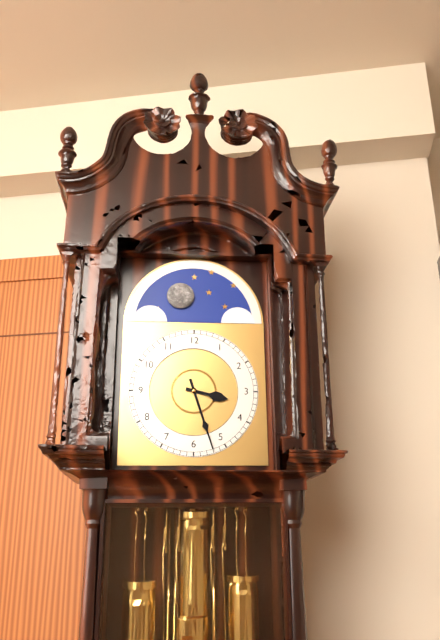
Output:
3.27
